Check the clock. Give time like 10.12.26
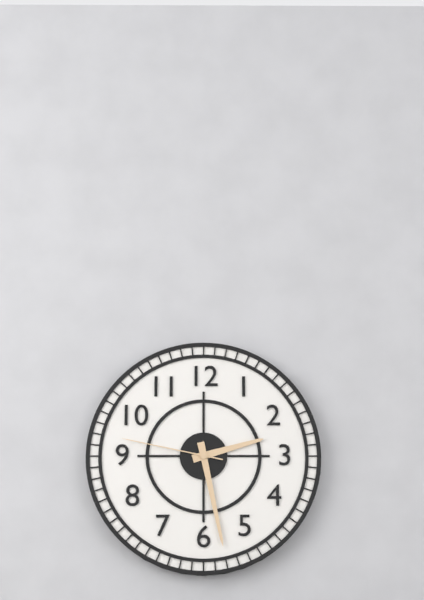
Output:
2.28.47
